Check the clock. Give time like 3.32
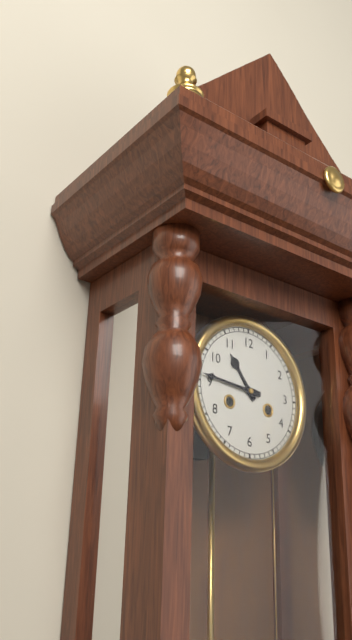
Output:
10.46
